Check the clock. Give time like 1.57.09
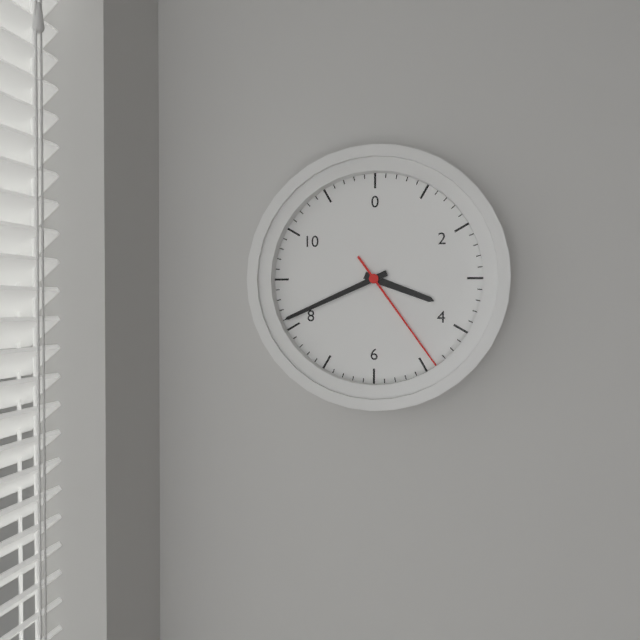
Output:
3.41.24
